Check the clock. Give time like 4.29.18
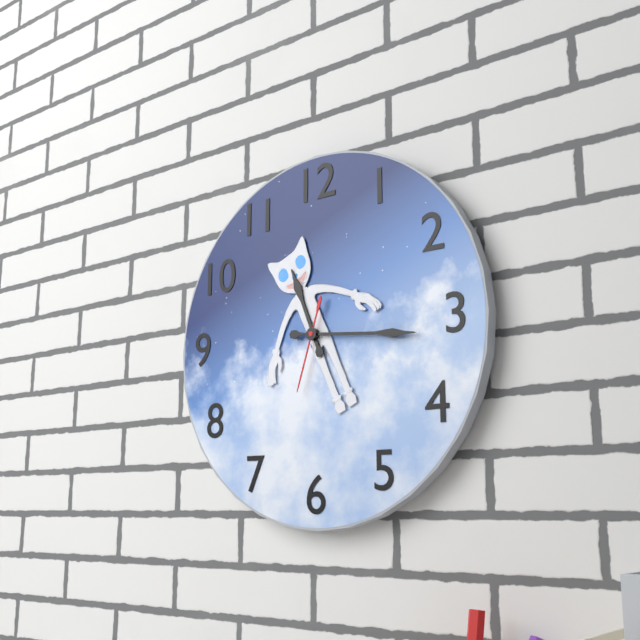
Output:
11.16.33
